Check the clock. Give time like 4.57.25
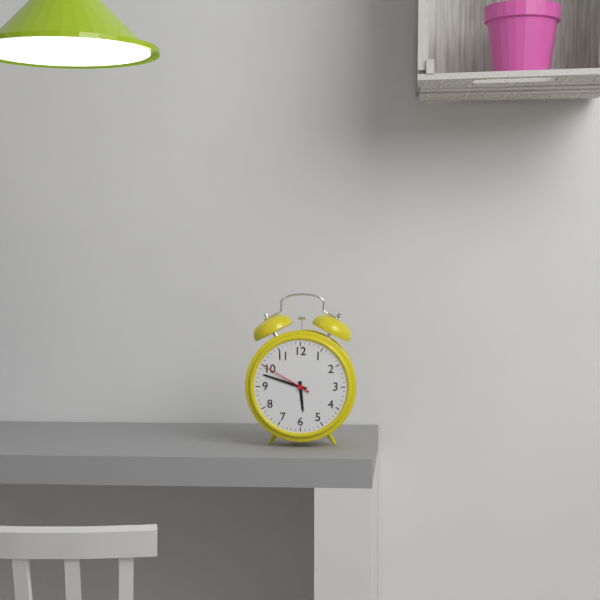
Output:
5.48.50
